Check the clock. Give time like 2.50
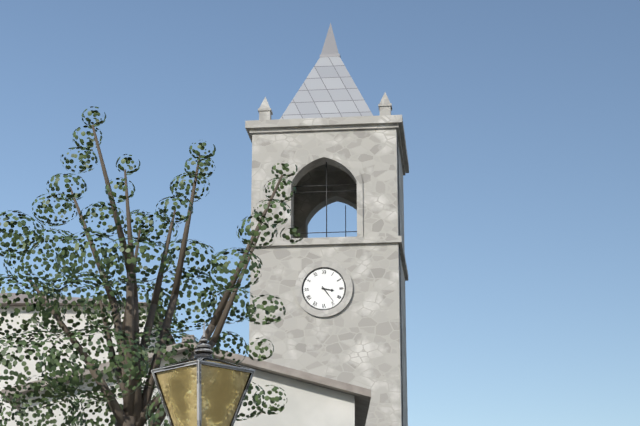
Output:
3.24
